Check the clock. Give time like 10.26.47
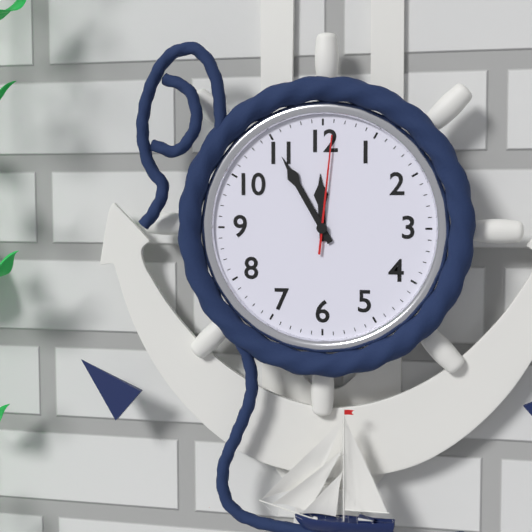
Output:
11.55.01
